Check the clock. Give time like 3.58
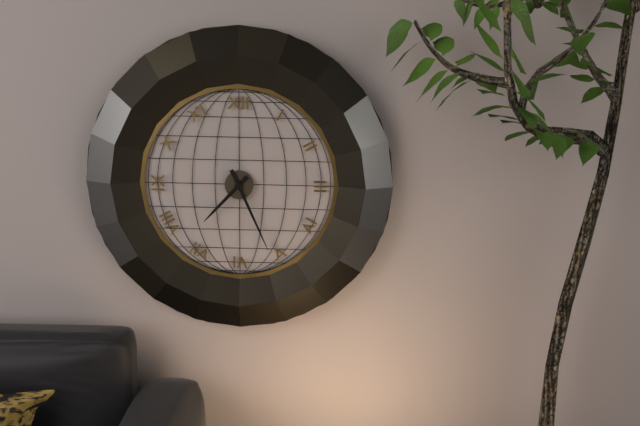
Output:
7.26
